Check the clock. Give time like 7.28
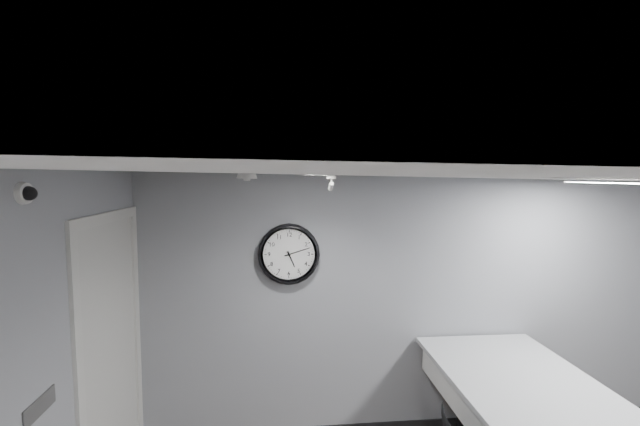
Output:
5.12
